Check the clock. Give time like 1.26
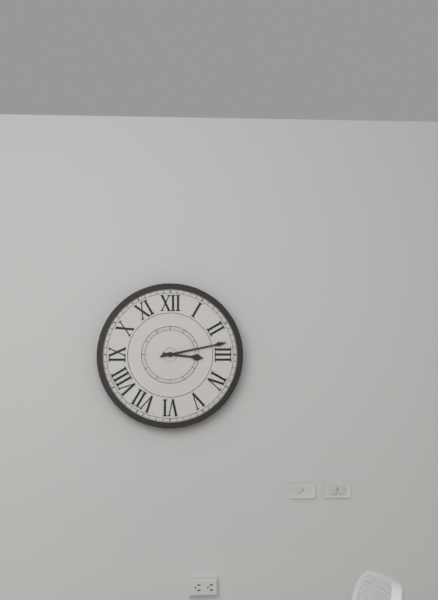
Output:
3.13
